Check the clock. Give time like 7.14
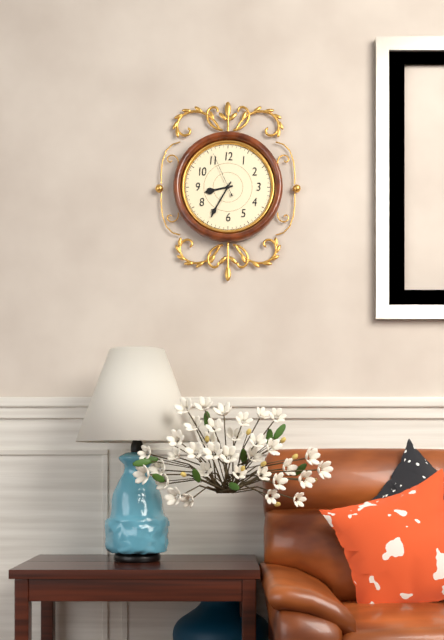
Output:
8.35
